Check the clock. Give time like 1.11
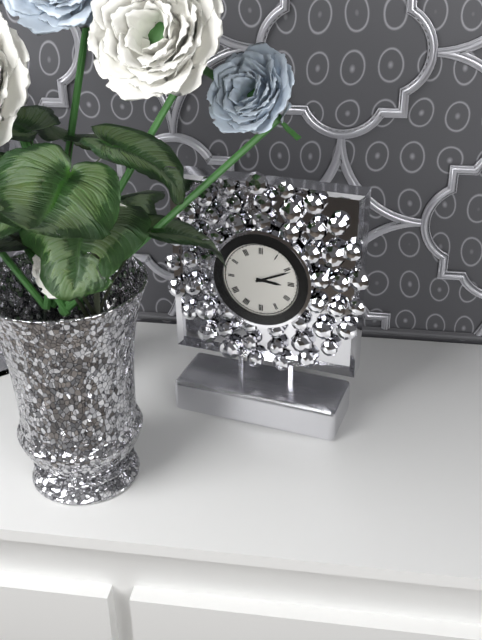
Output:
3.11
